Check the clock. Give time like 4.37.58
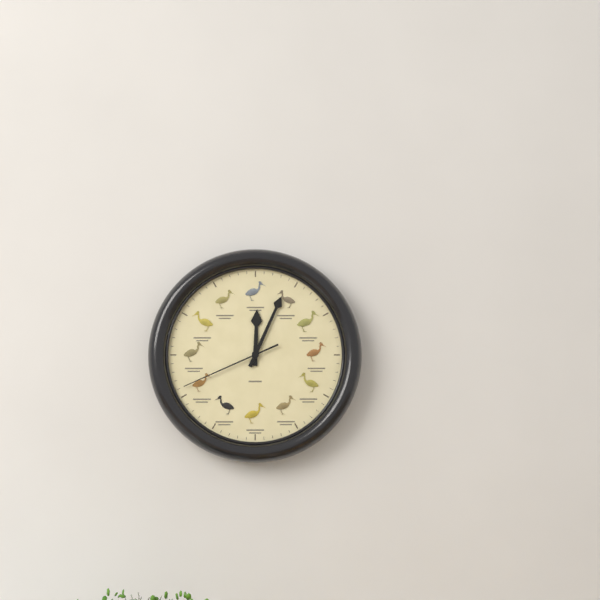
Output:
12.04.41
